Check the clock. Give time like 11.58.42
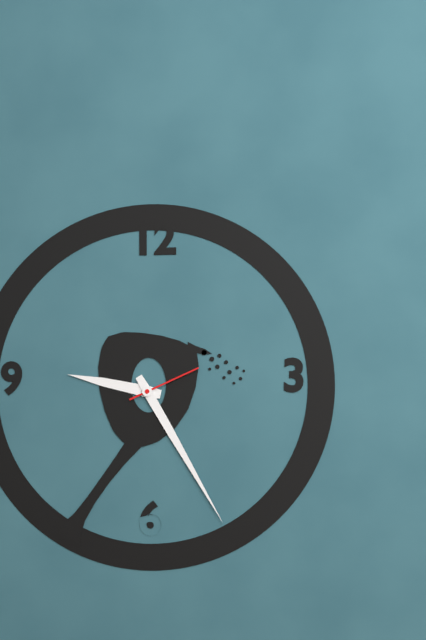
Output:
9.25.11
